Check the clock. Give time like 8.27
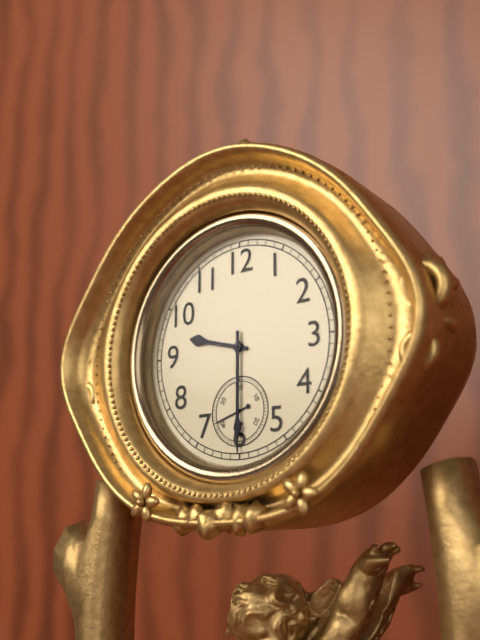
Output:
9.30
